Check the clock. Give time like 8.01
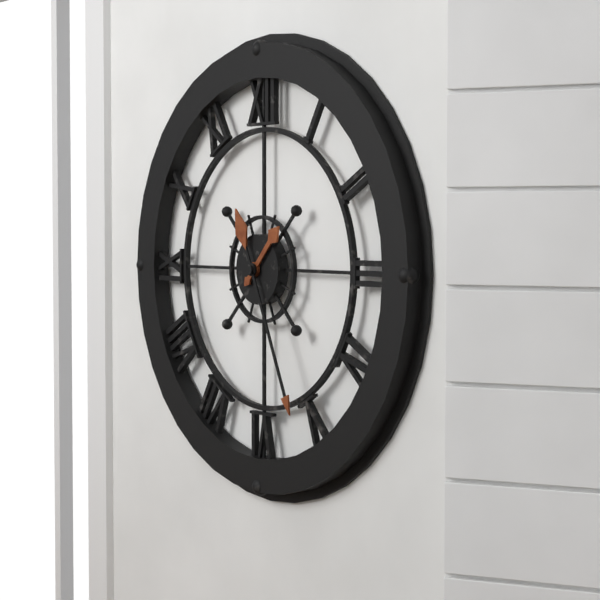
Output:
1.26
